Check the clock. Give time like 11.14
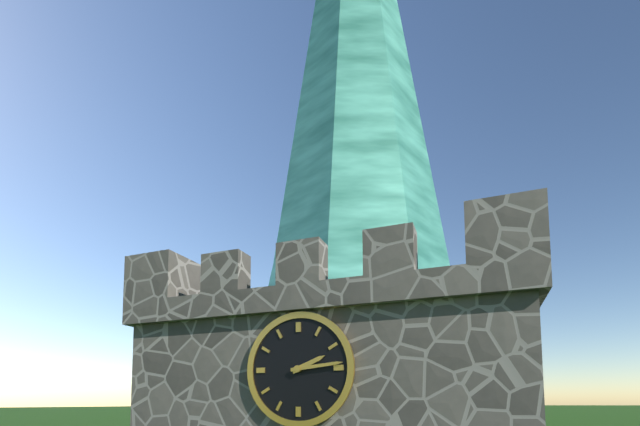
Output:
2.14
